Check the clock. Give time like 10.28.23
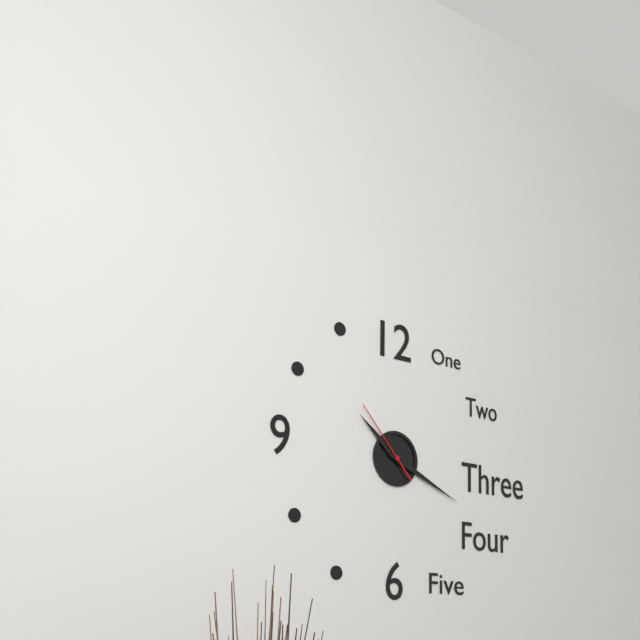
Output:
10.19.53
